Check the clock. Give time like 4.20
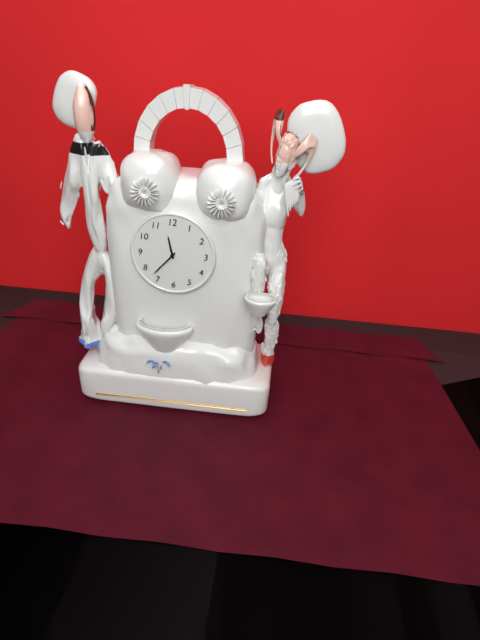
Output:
11.37
